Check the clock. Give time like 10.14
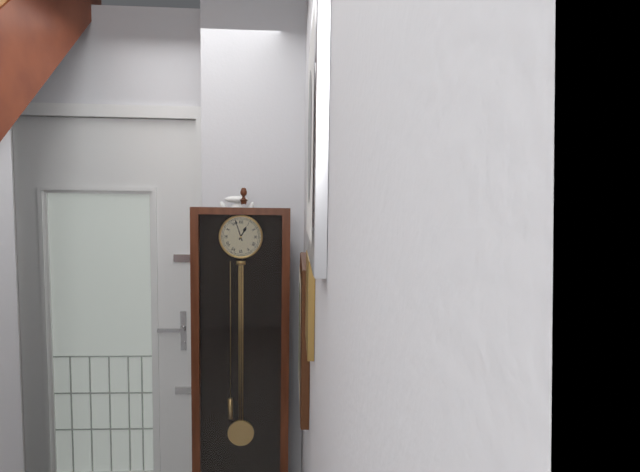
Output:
12.57
